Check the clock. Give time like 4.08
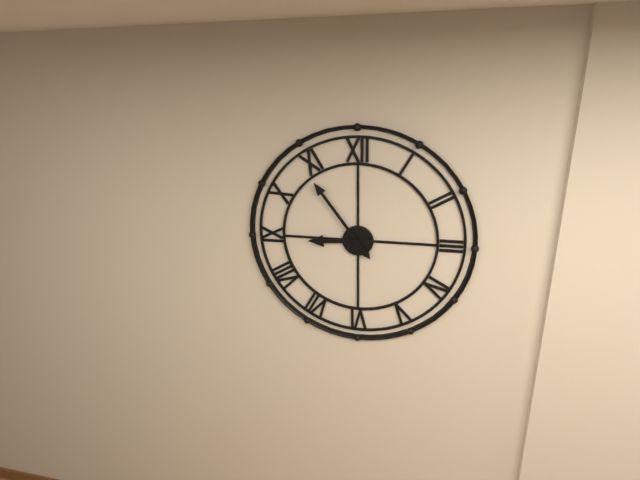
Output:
8.54
